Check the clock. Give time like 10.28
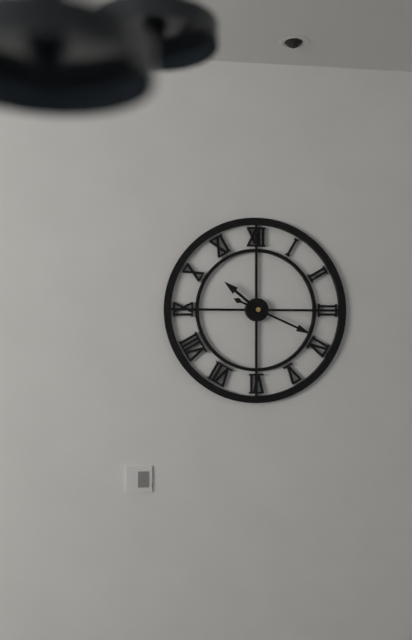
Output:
10.19
